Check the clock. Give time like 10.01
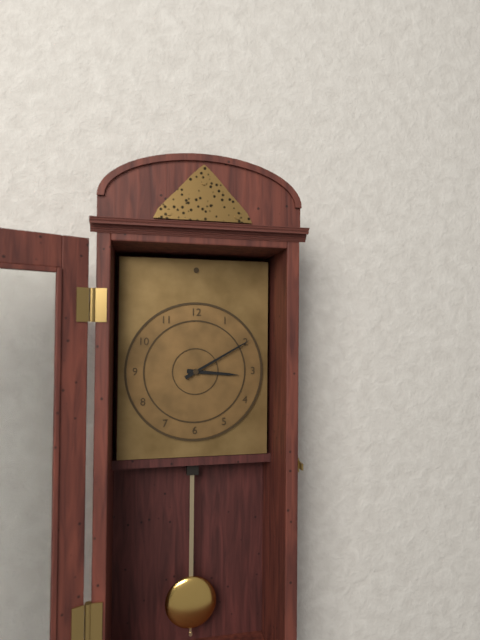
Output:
3.10
